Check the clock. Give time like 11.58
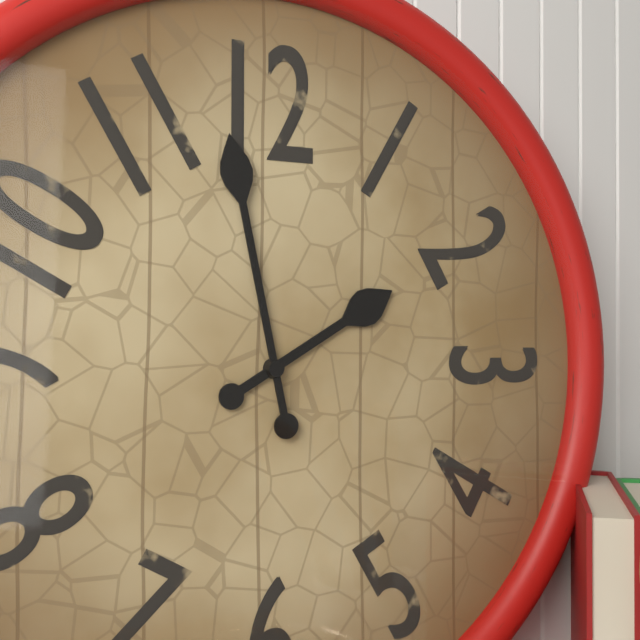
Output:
1.58
